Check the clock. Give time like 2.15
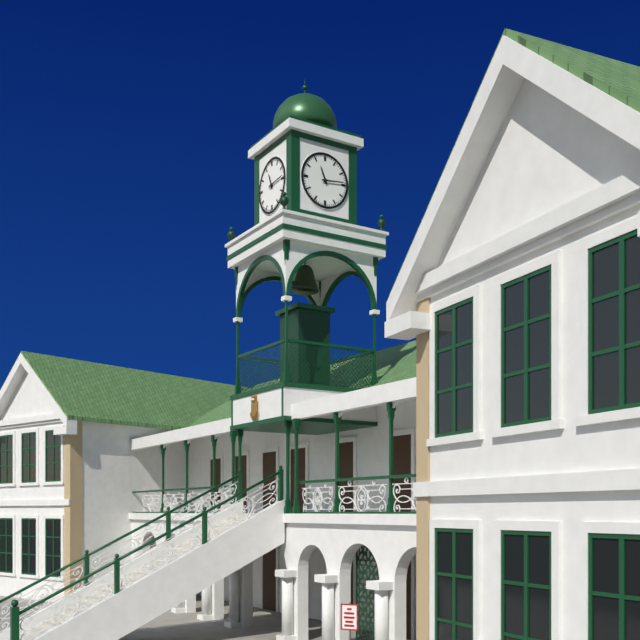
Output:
11.14
